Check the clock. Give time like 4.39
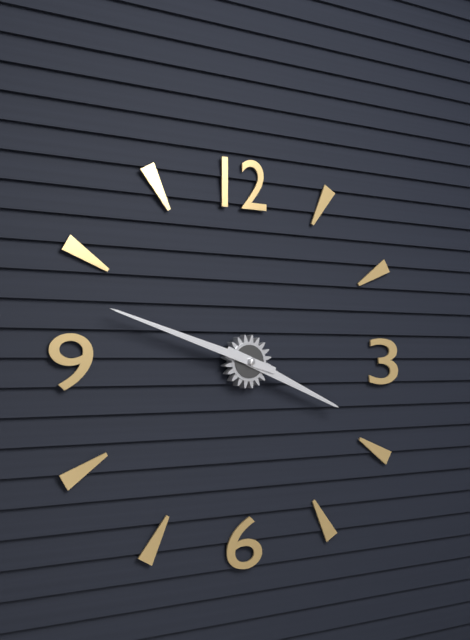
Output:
3.48
